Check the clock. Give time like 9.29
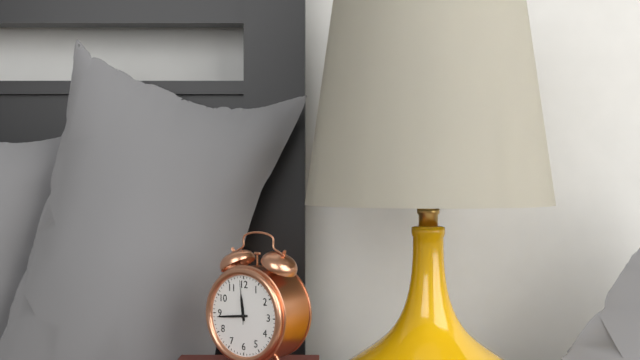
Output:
11.44
